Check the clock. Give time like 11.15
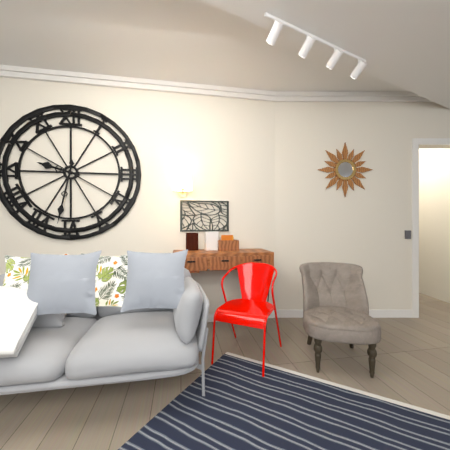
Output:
9.32
